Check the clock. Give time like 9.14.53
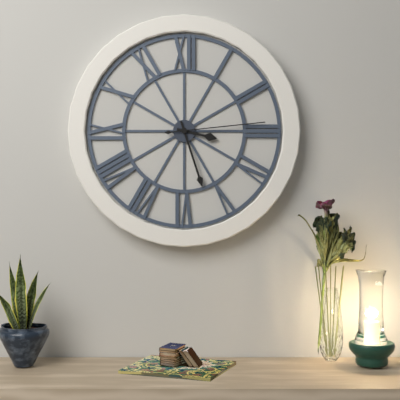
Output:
3.27.14
